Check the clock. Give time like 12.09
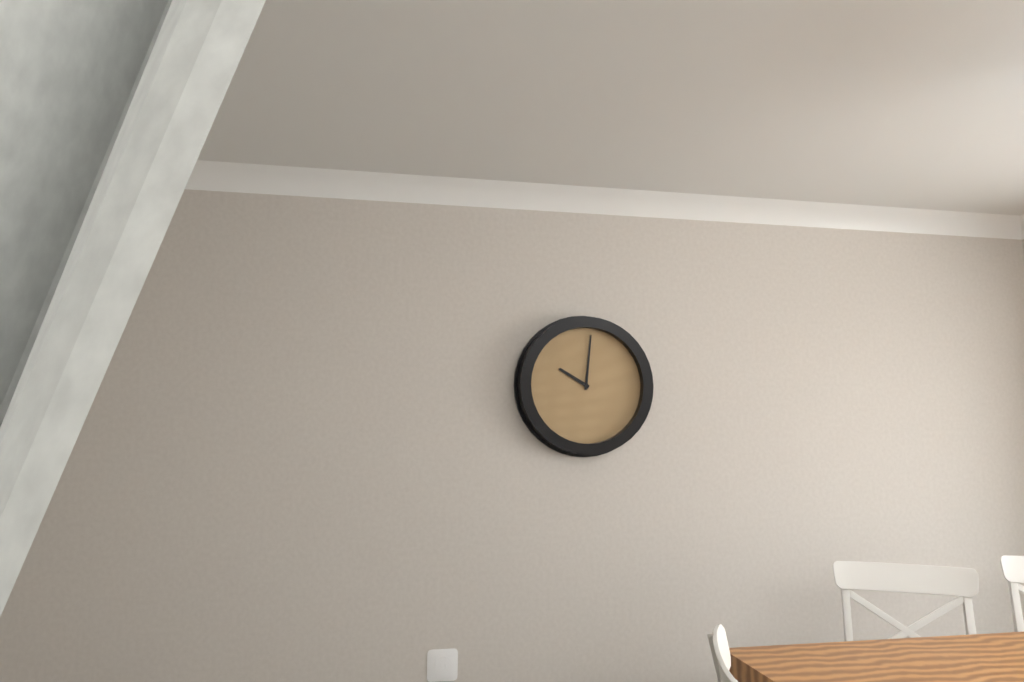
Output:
10.01
